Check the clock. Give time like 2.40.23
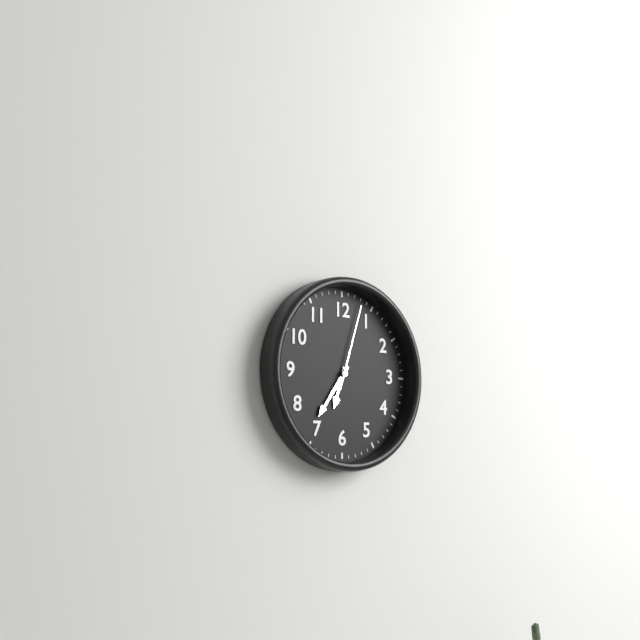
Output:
6.36.03
